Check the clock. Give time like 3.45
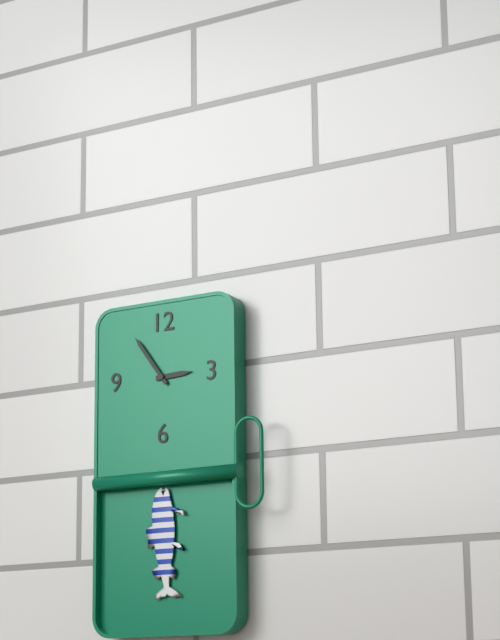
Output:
2.54
